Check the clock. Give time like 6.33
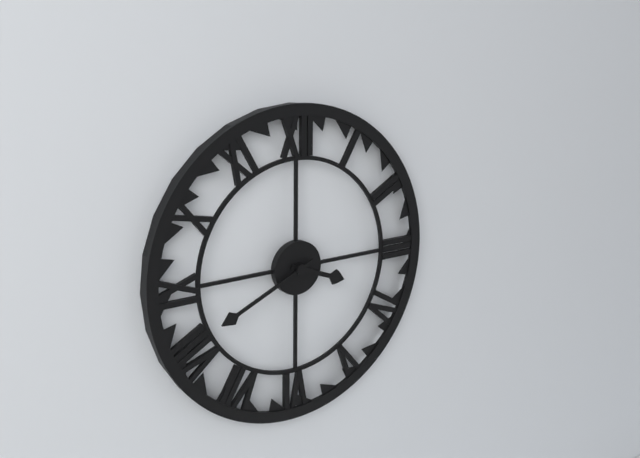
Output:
3.41
